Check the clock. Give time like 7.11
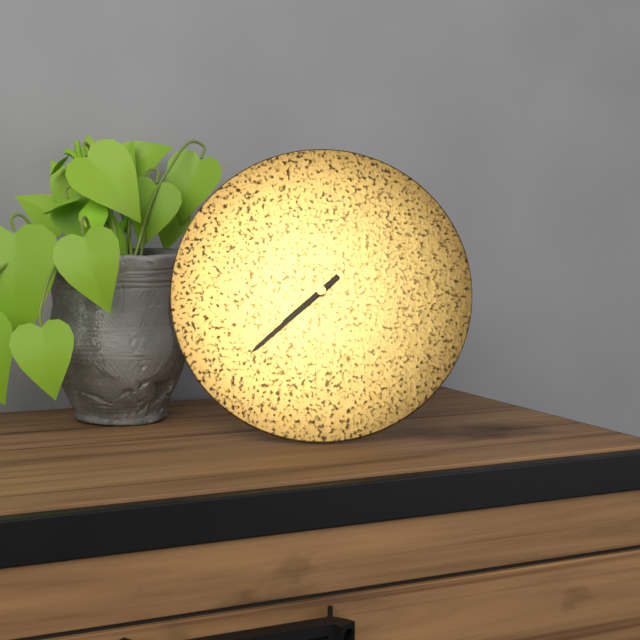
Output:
7.38
